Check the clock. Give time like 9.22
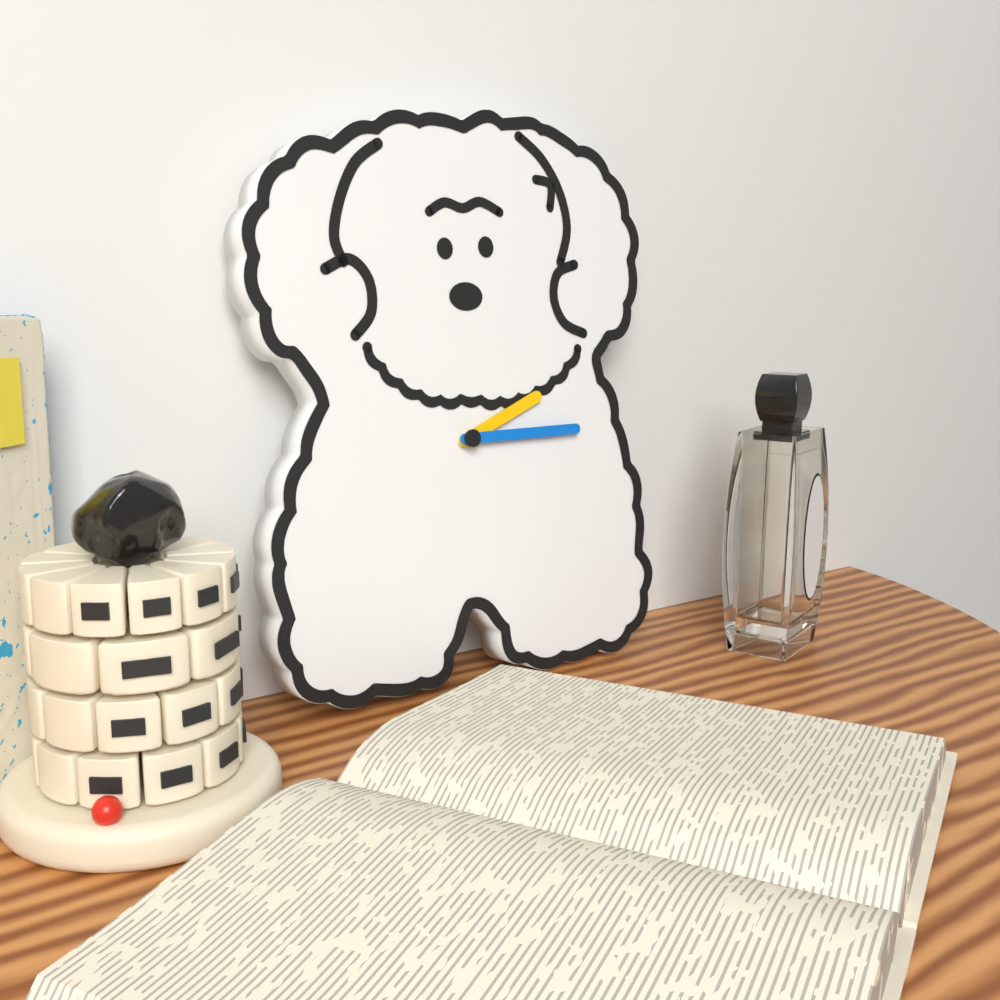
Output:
2.15
